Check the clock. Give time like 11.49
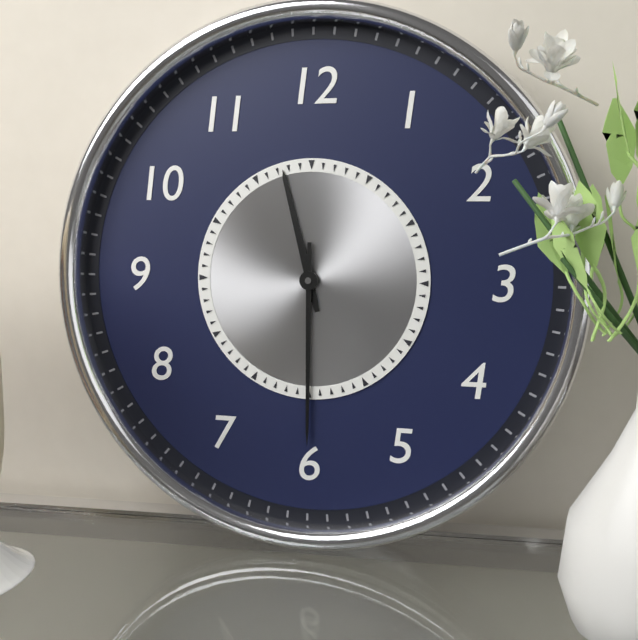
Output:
11.30
